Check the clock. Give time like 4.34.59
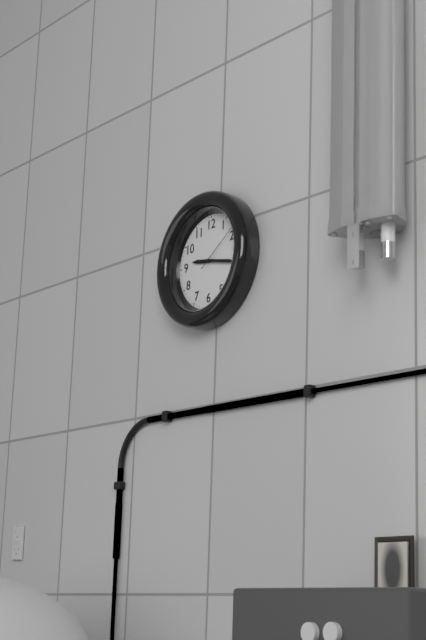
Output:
9.17.09
